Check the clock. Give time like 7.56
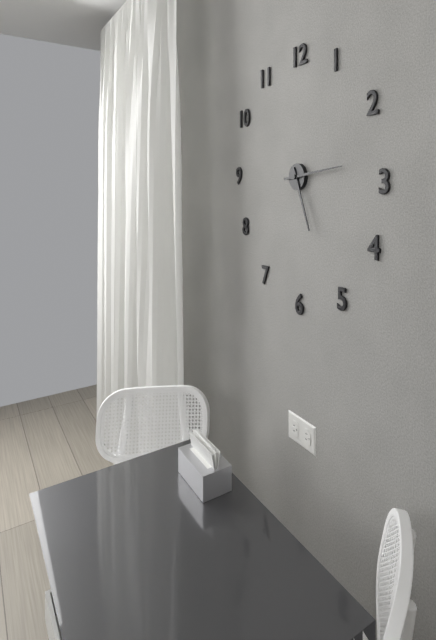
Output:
5.14
